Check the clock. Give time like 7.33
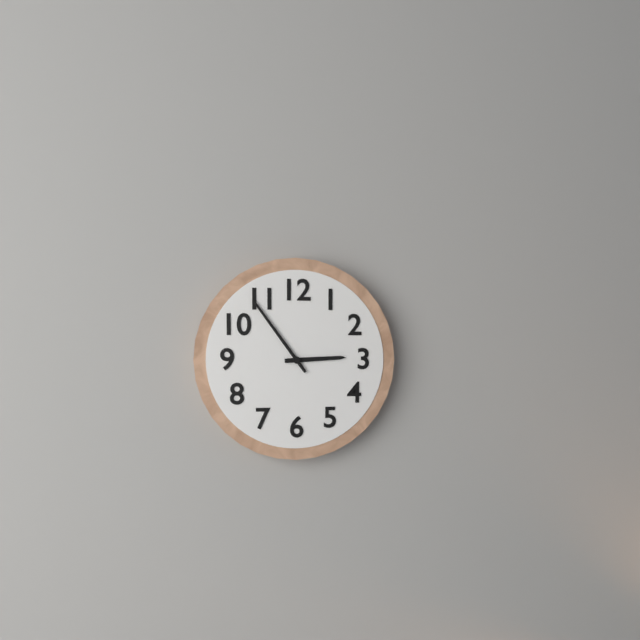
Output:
2.54
